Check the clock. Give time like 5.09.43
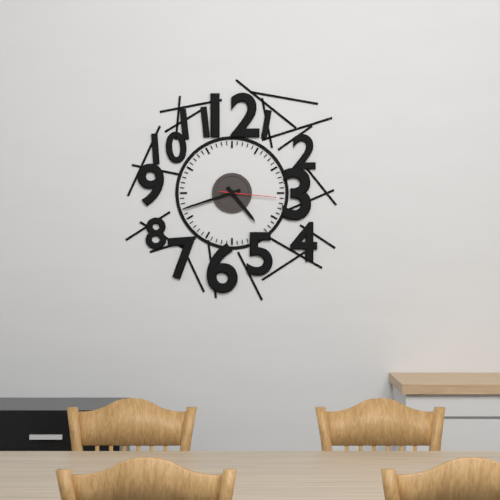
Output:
4.42.16
